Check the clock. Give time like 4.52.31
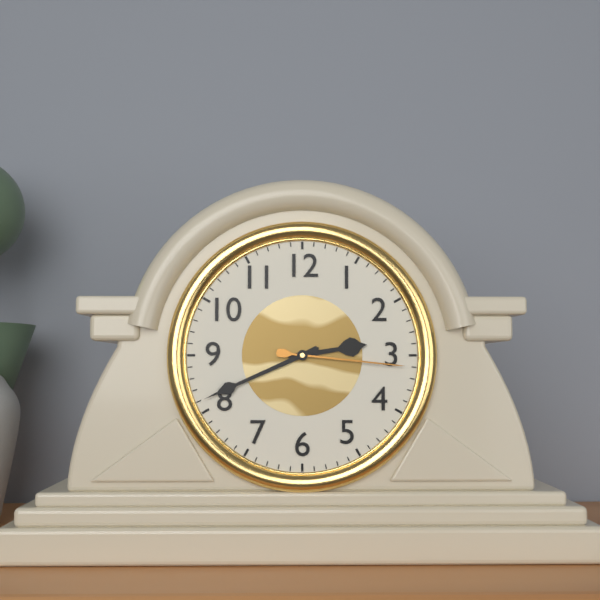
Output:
2.41.16
